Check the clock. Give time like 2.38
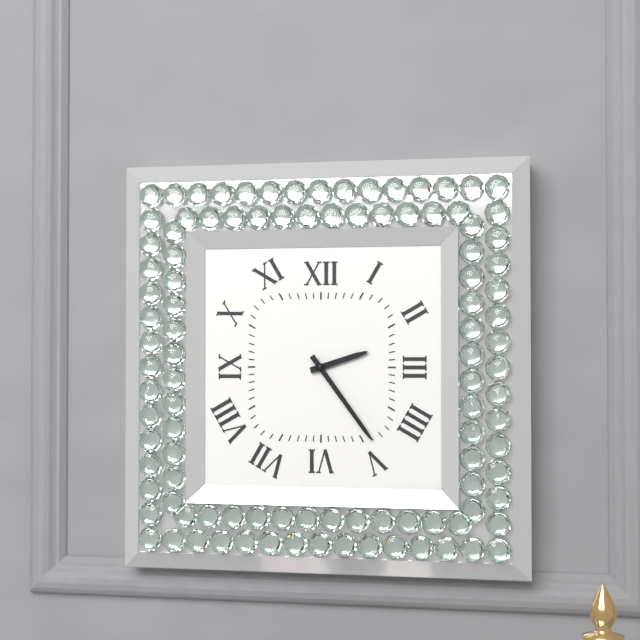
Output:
2.24
